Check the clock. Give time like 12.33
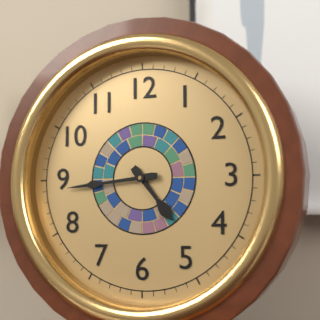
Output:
4.44
